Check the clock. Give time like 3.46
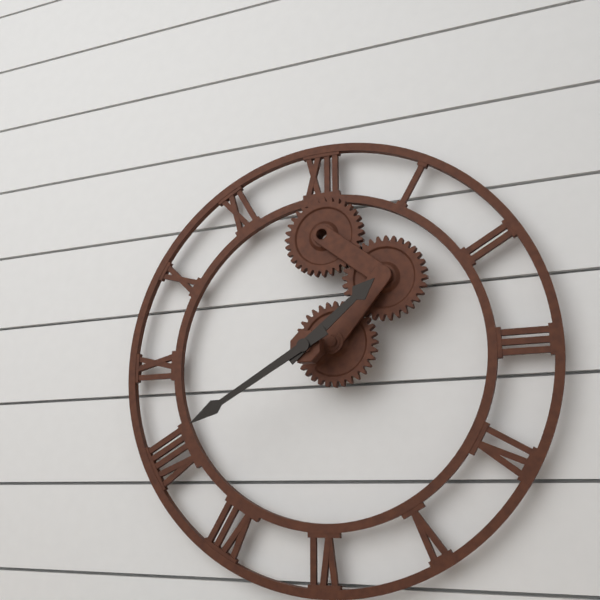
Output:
1.40
